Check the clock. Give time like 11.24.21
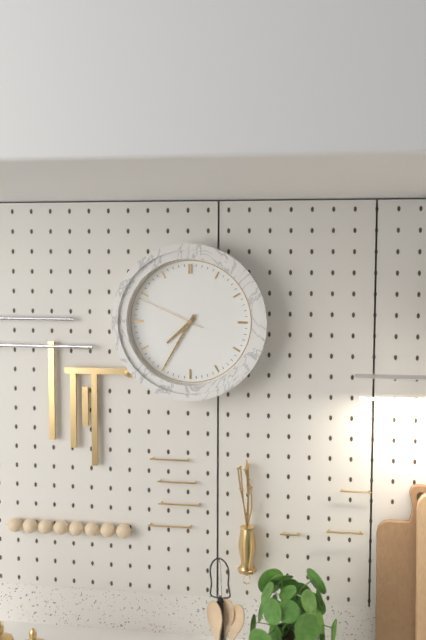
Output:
7.35.49
